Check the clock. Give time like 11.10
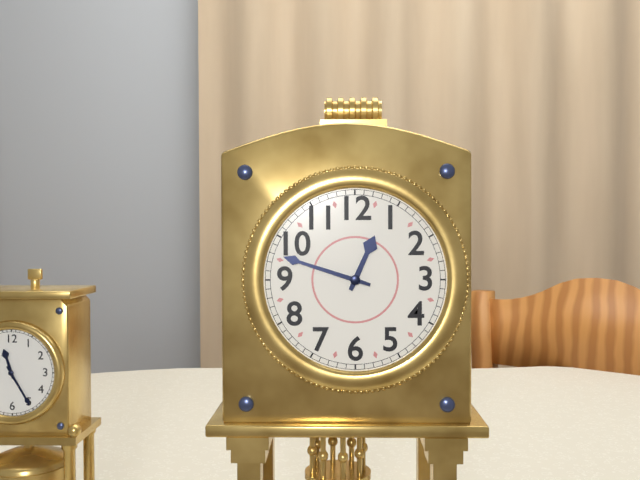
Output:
12.48
